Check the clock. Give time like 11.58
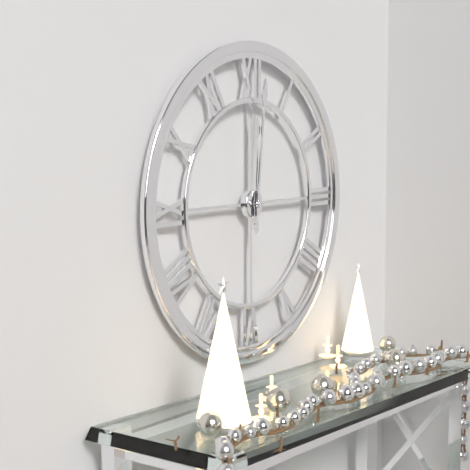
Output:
12.01
